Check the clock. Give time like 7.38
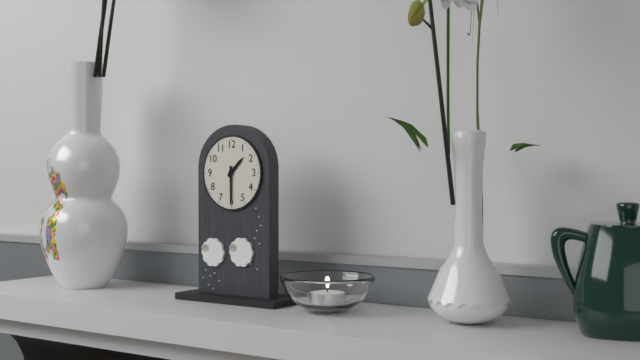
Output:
1.30
